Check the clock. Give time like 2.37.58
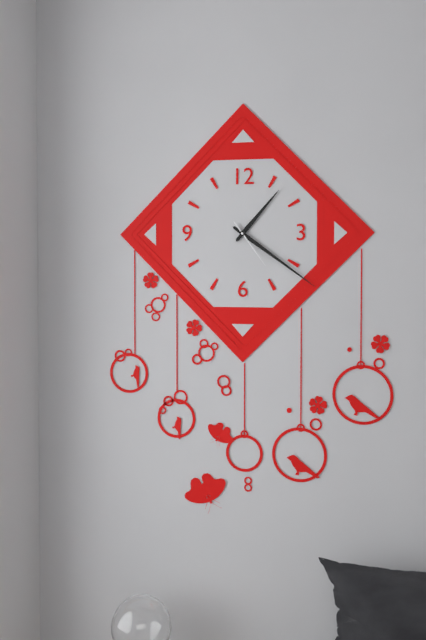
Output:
1.21.24
